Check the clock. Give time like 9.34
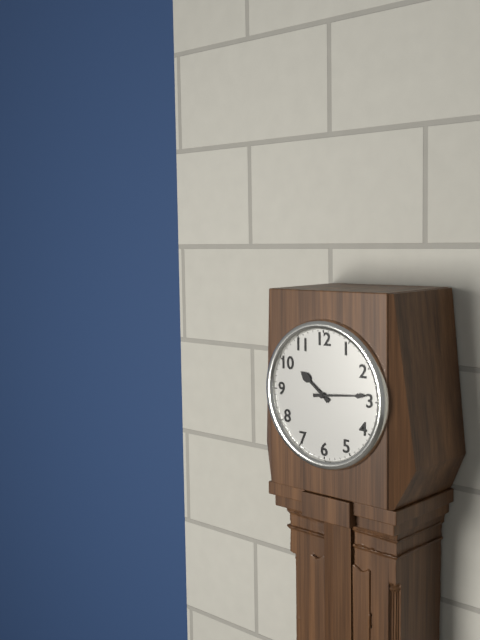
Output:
10.14
